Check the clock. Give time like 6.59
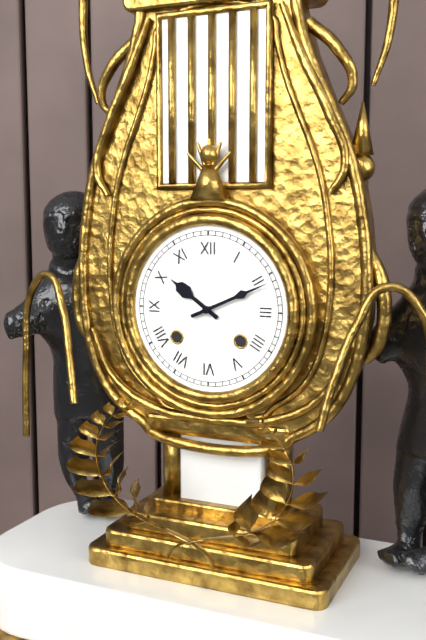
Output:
10.11
